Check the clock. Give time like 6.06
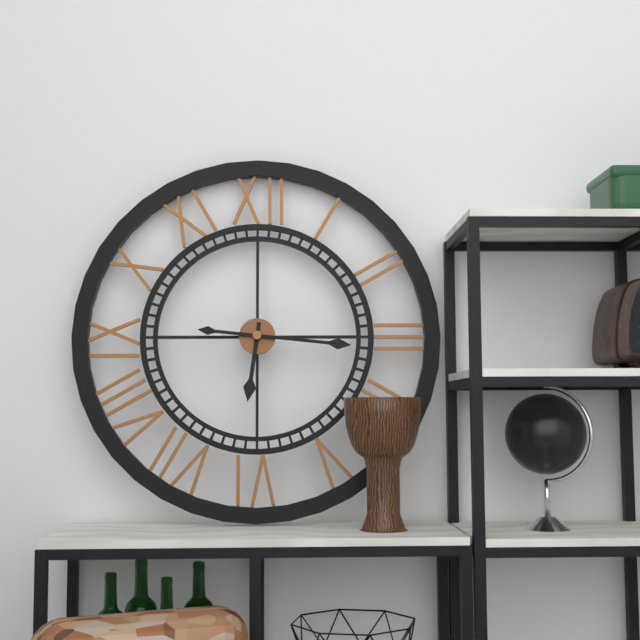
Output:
6.16
